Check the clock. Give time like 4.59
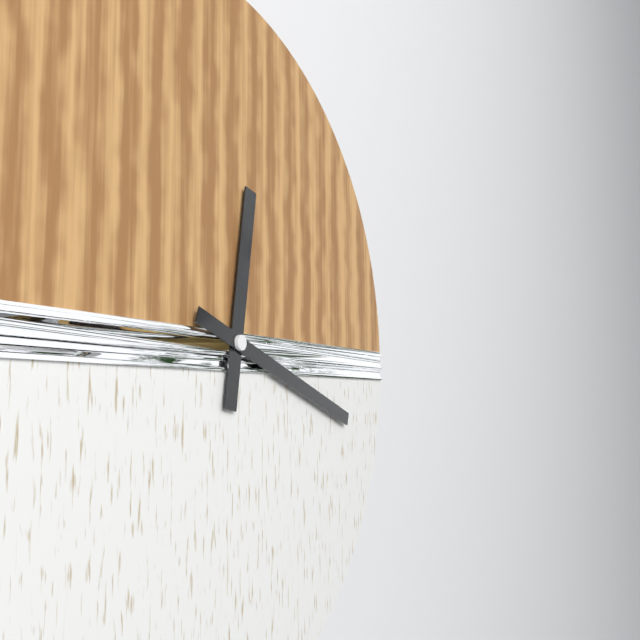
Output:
12.18
